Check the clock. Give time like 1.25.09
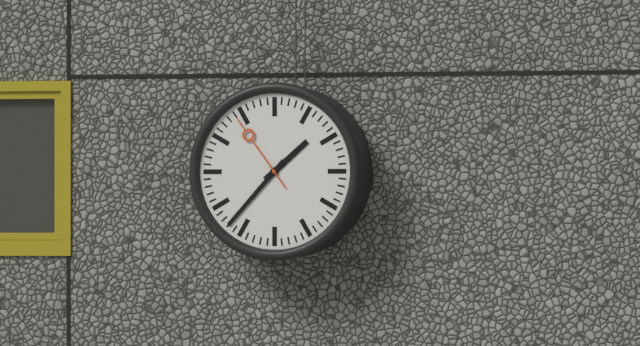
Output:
1.37.54
